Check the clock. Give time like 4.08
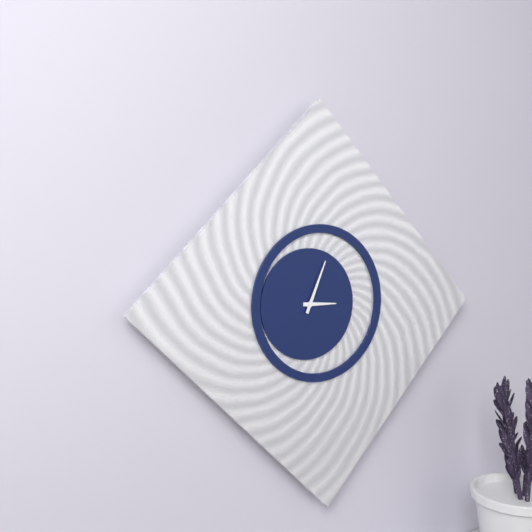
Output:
3.04
